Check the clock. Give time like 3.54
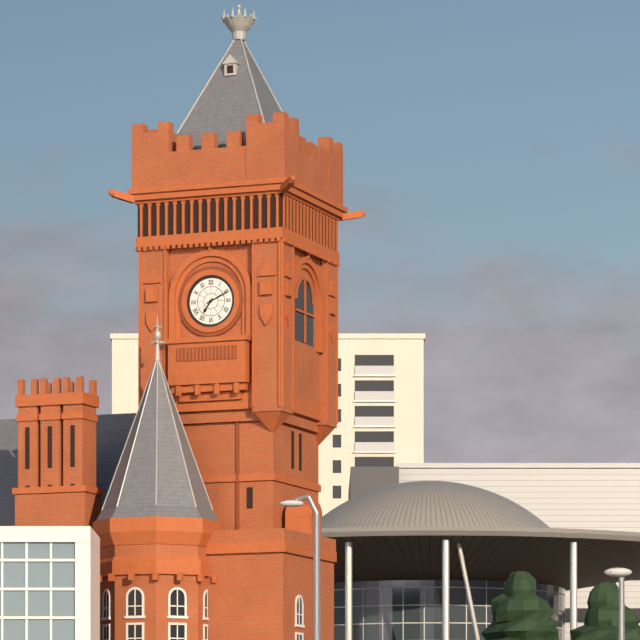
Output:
7.11
